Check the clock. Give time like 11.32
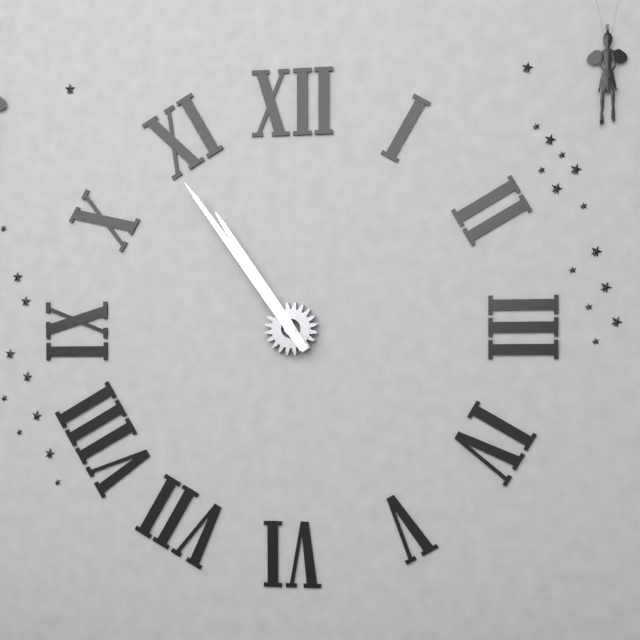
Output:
10.54
